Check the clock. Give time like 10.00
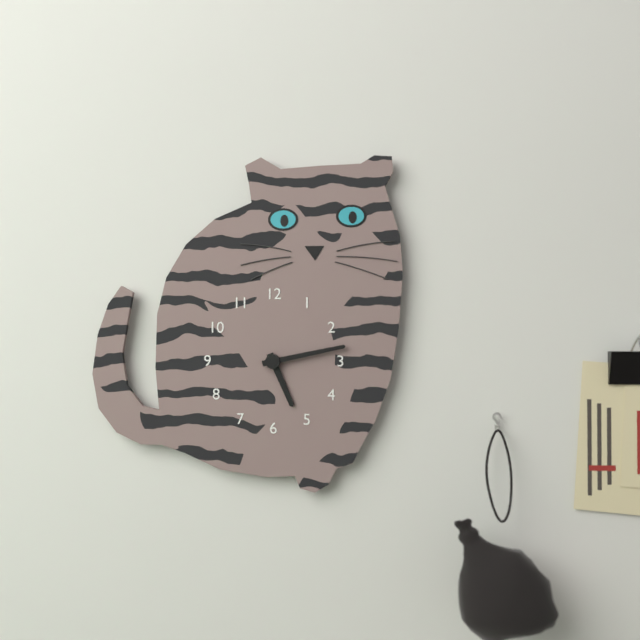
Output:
5.13
